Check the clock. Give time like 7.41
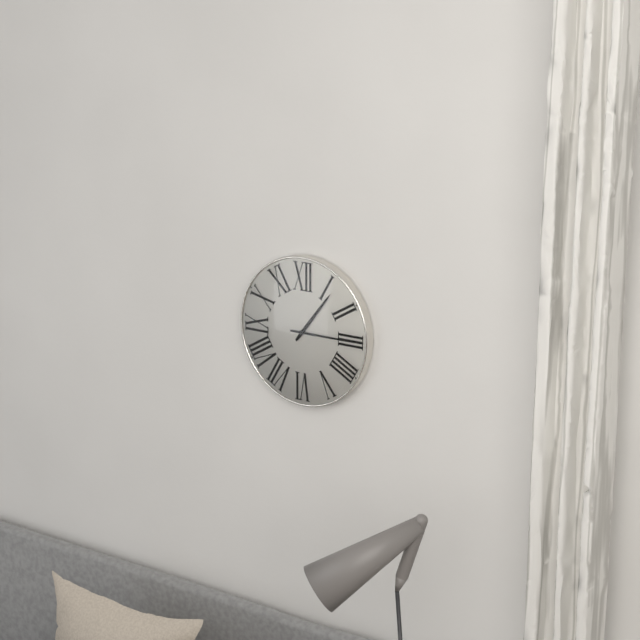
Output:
1.15
